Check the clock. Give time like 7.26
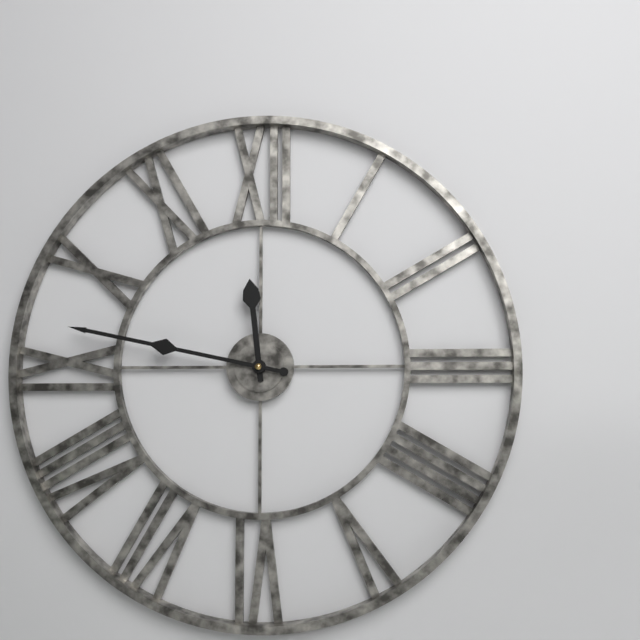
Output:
11.47
